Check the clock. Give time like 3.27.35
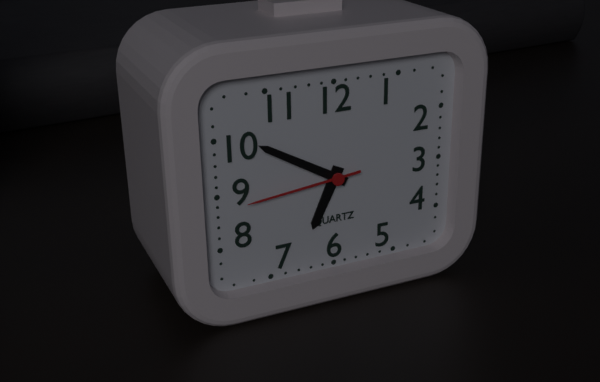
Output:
6.50.44
